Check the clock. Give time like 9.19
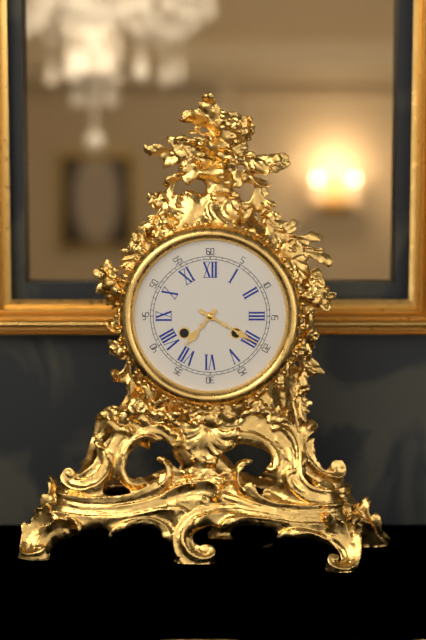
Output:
7.20
